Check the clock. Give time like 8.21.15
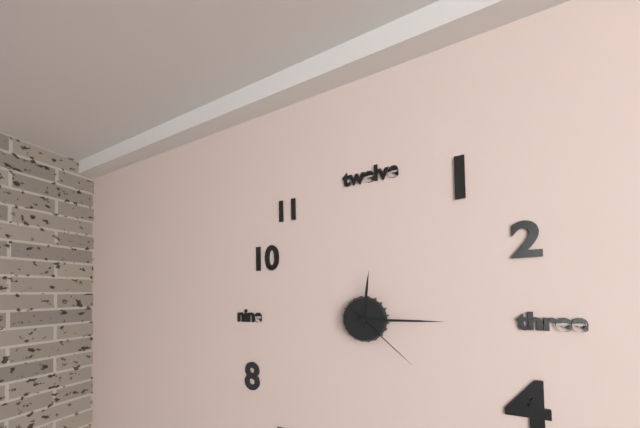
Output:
12.15.22
